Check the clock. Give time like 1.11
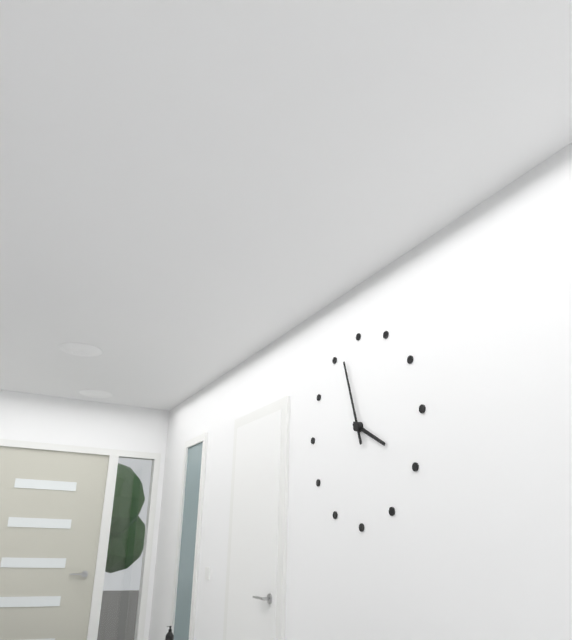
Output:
3.57
